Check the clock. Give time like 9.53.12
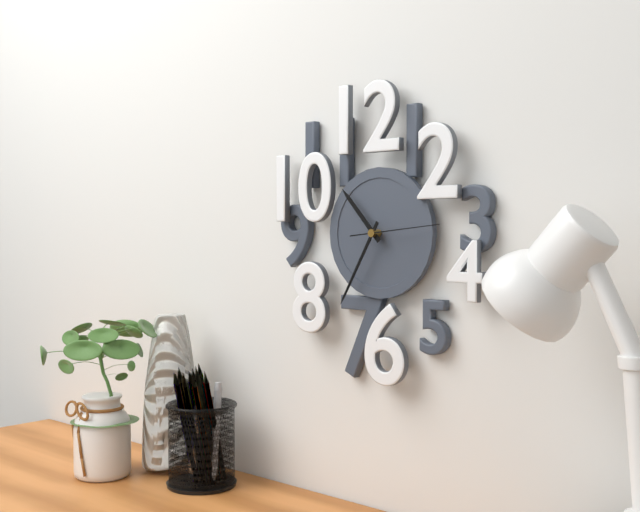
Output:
10.35.14
